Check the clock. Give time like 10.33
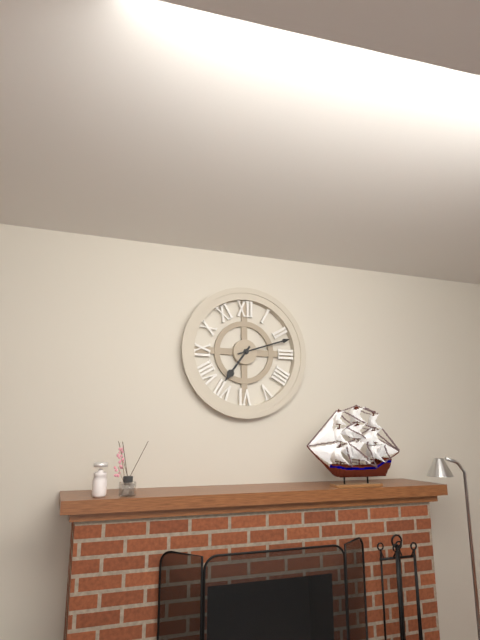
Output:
7.12
